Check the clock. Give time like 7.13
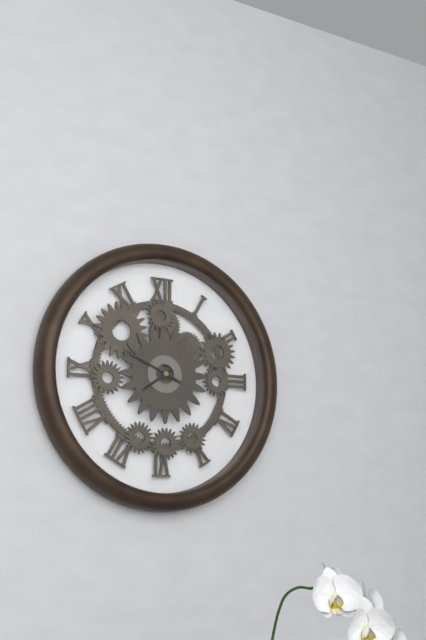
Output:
7.49
